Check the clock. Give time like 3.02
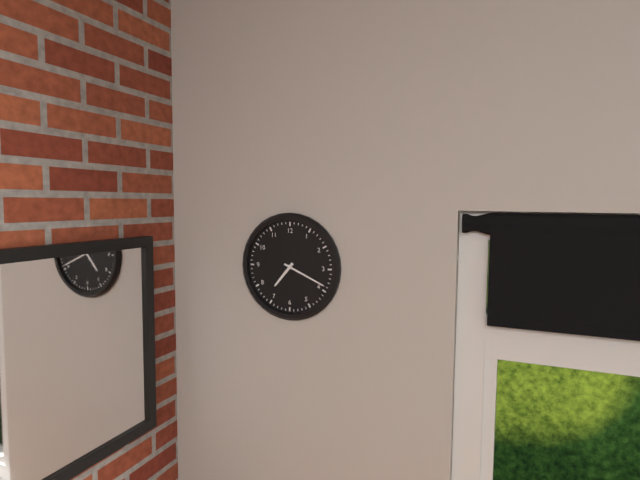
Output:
7.19
